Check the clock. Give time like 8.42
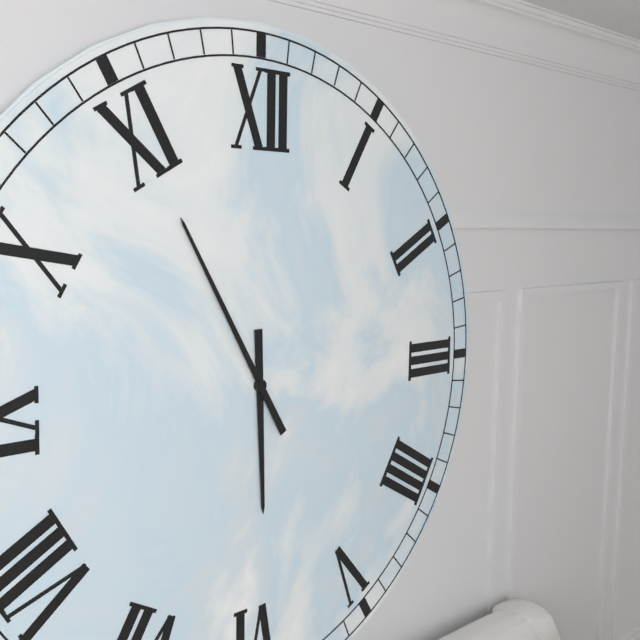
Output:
5.55
